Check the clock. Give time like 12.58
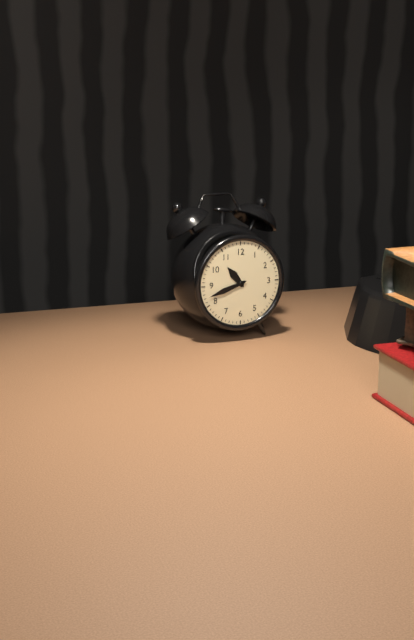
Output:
10.42
